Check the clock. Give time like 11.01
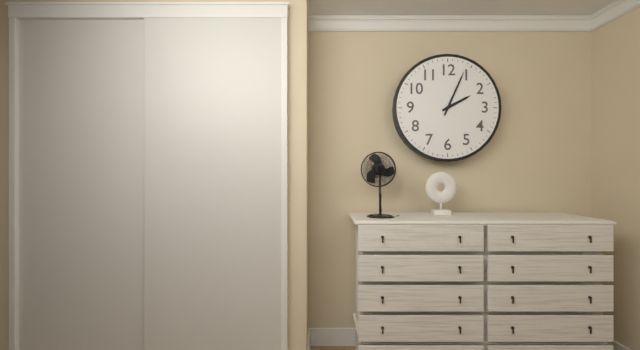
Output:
2.04
